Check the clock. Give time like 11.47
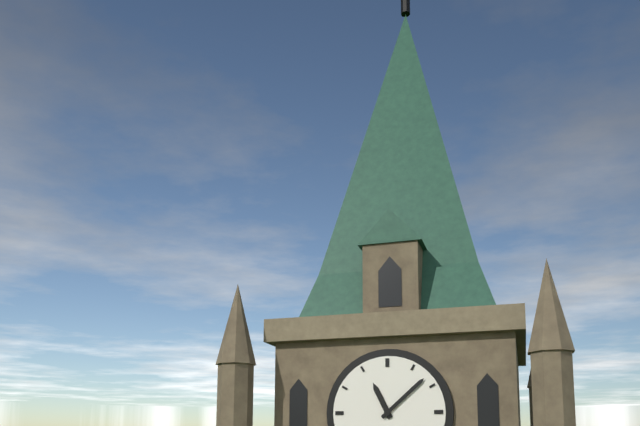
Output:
11.08
